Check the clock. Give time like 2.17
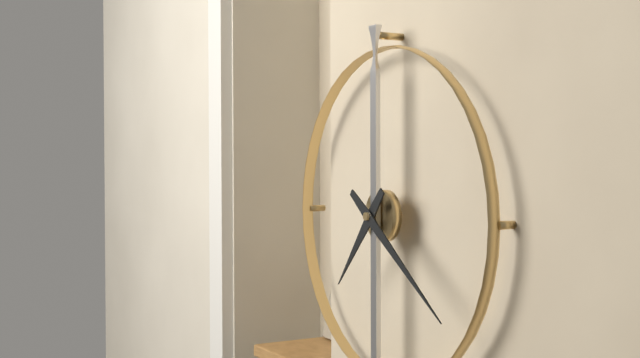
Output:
7.21
